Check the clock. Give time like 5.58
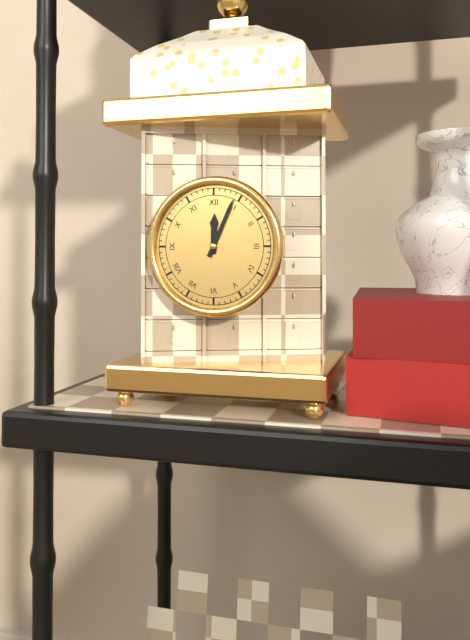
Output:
12.04
